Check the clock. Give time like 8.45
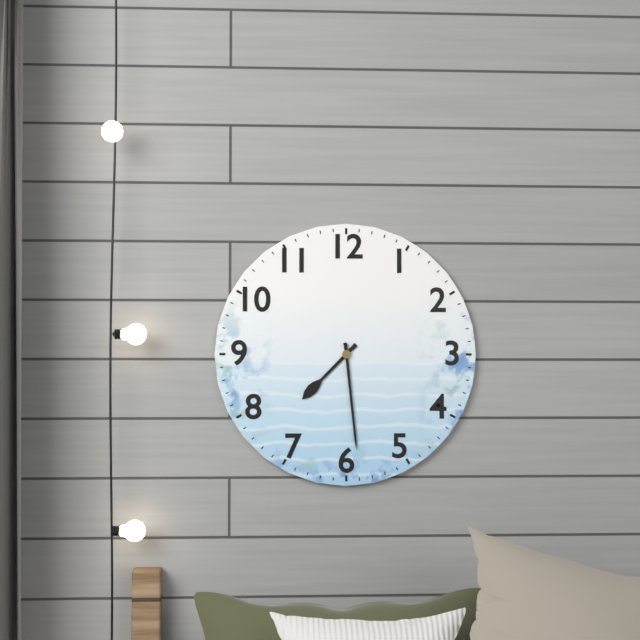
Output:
7.29
